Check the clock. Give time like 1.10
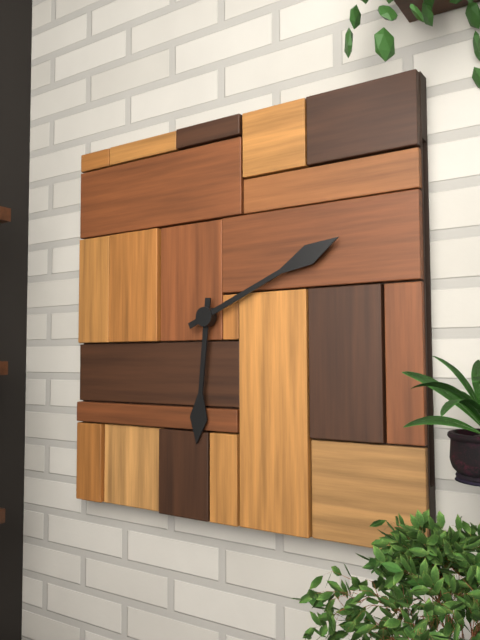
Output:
6.11
